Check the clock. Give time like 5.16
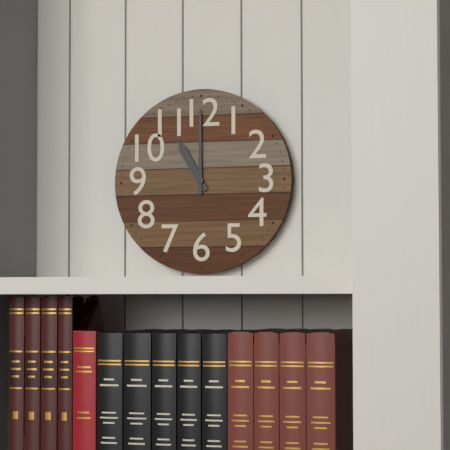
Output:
11.00
